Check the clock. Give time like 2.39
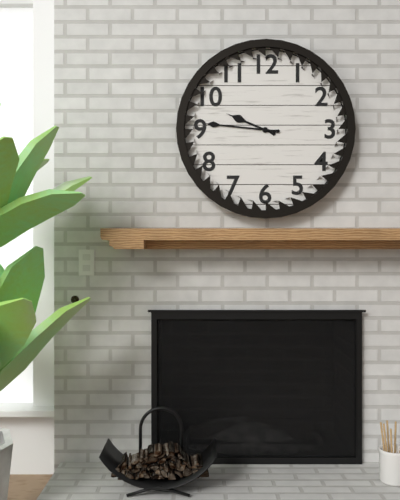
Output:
9.46
